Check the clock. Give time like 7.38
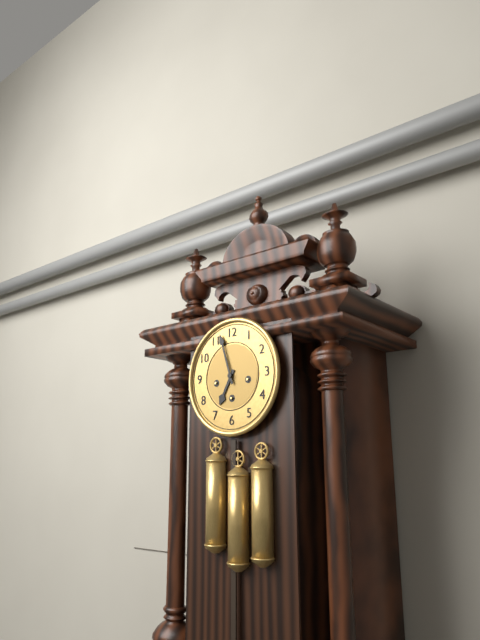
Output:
6.57
